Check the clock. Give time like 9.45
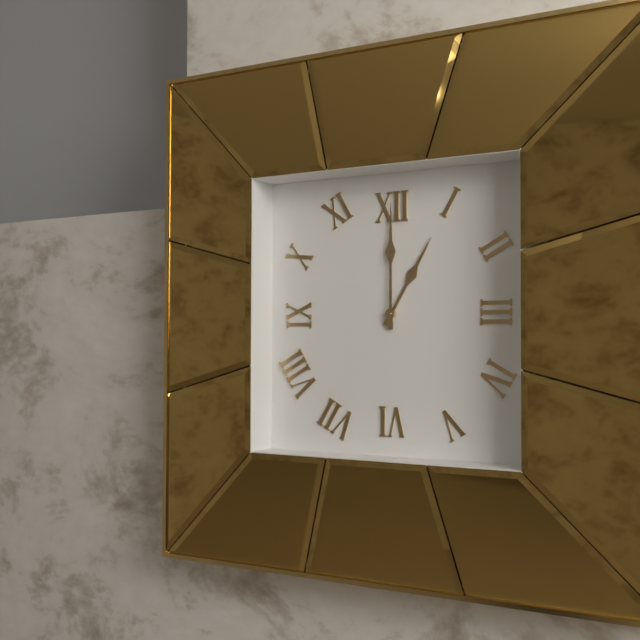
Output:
1.00
